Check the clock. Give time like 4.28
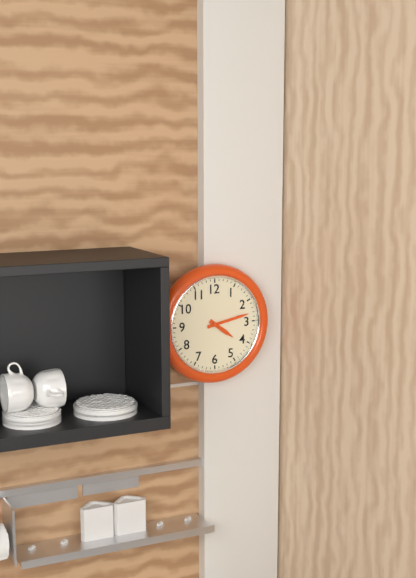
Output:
4.13
